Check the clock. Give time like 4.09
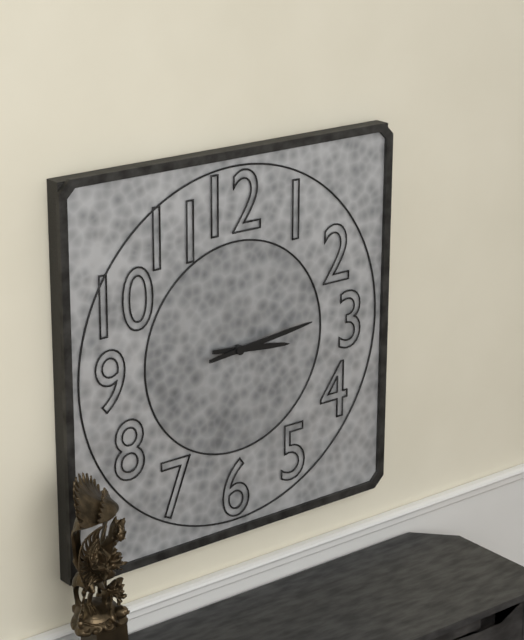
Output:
3.14
